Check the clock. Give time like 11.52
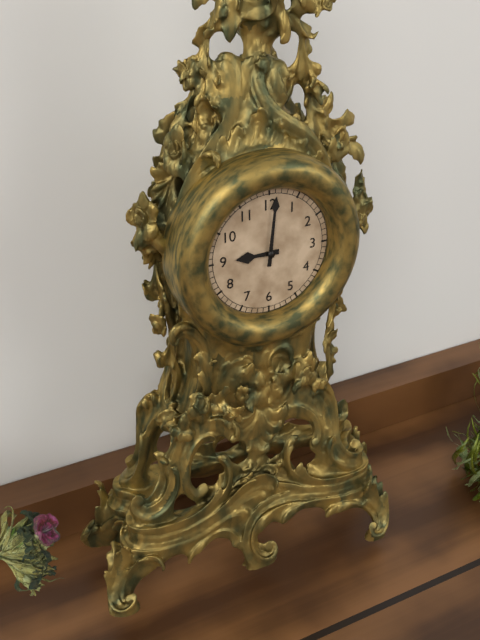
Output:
9.01
